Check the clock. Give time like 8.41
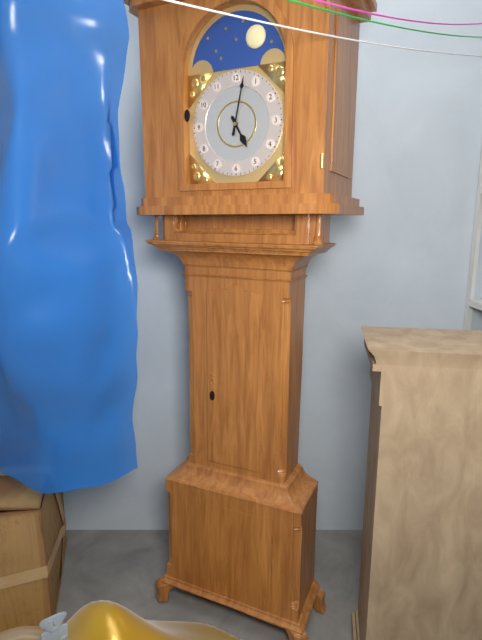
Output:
5.02
